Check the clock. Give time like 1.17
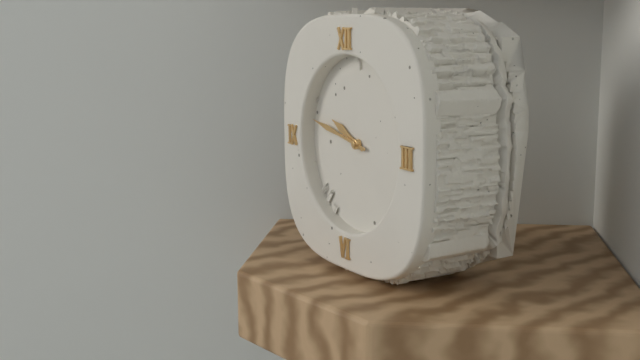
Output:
9.47
